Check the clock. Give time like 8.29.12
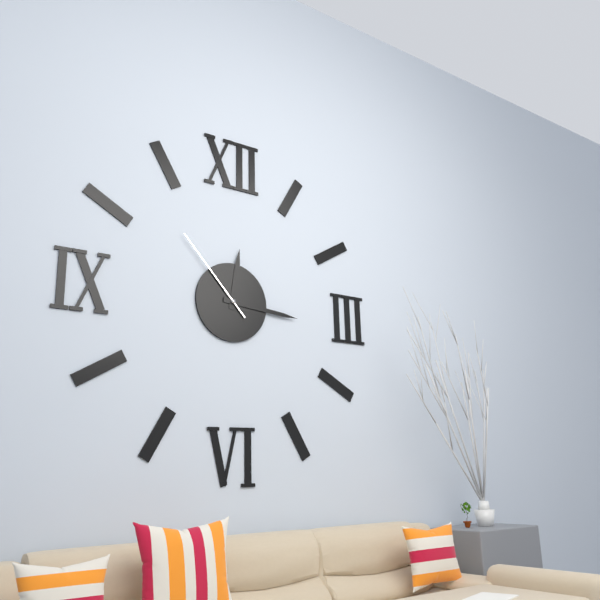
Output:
12.16.53
